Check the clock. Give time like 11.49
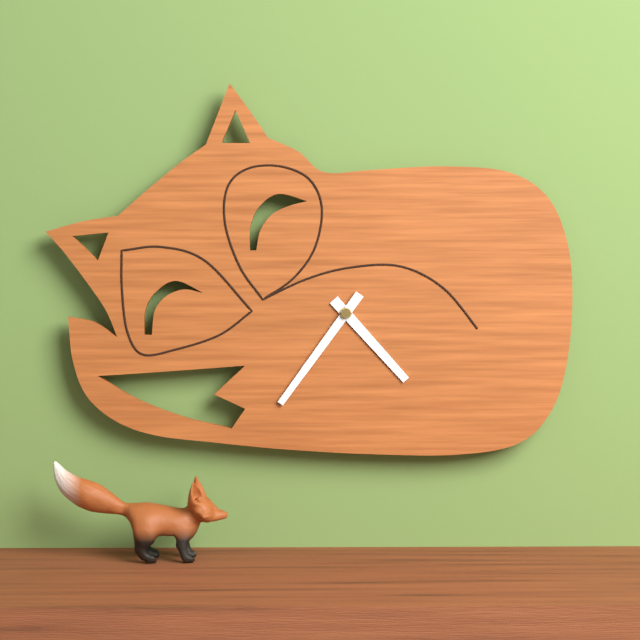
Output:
4.36
